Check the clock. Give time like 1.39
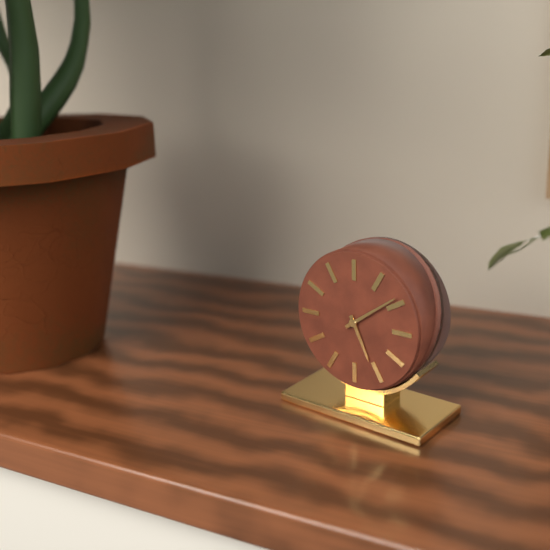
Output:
5.09
